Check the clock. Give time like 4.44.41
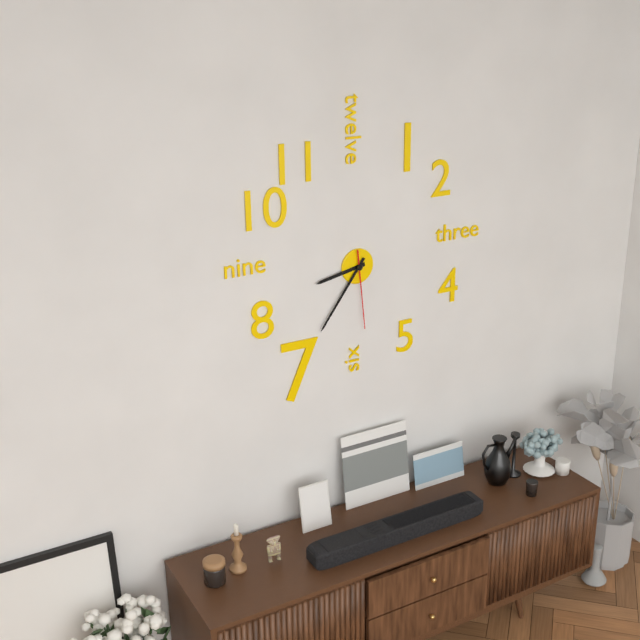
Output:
8.36.29
